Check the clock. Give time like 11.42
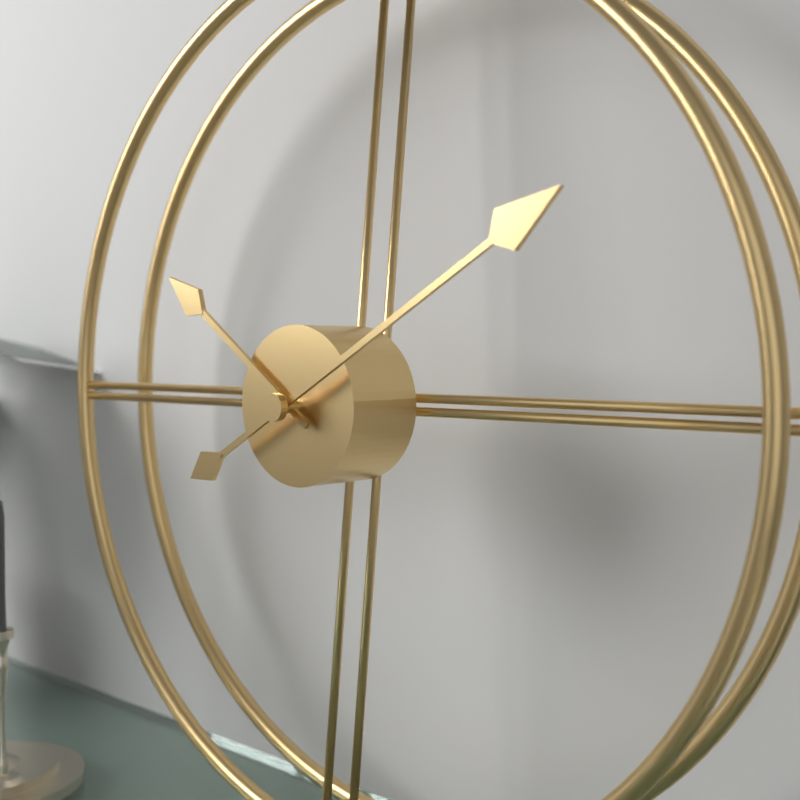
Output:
10.10
